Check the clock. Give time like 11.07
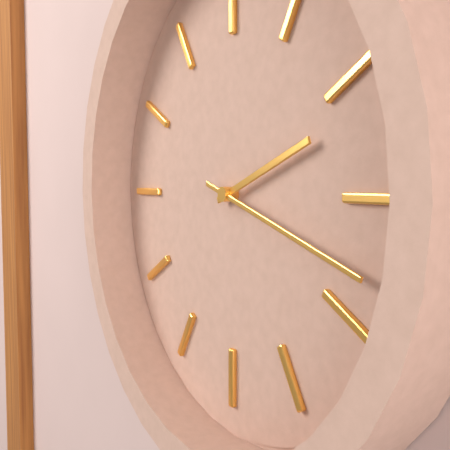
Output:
2.18
